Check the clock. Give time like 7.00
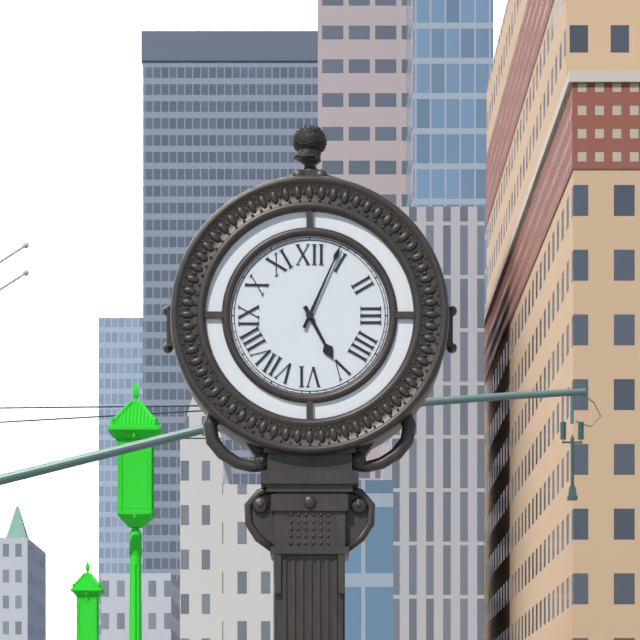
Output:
5.04
